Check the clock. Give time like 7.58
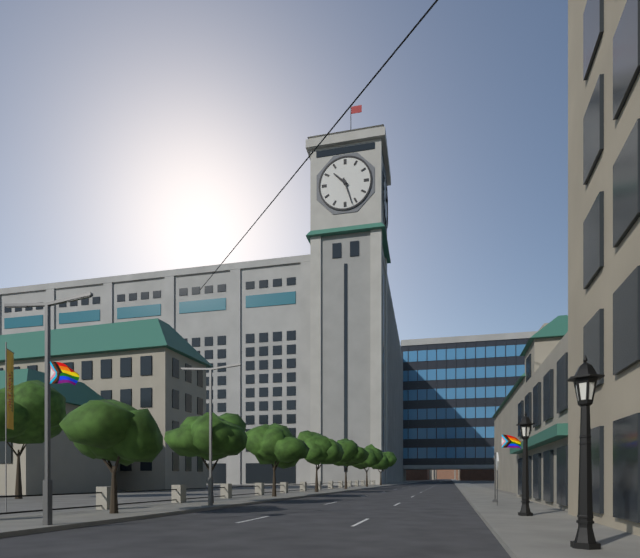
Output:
10.27
